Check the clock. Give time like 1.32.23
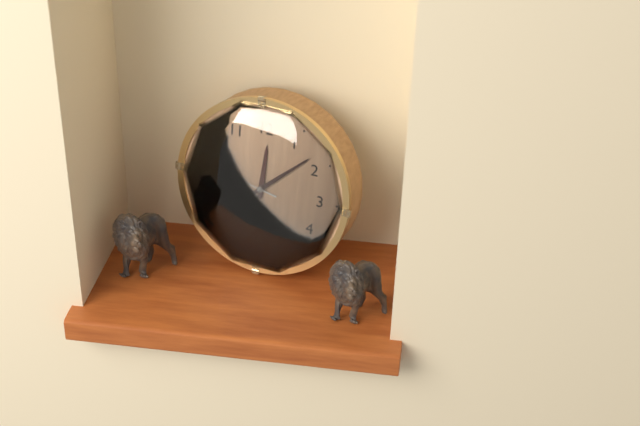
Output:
12.08.47
